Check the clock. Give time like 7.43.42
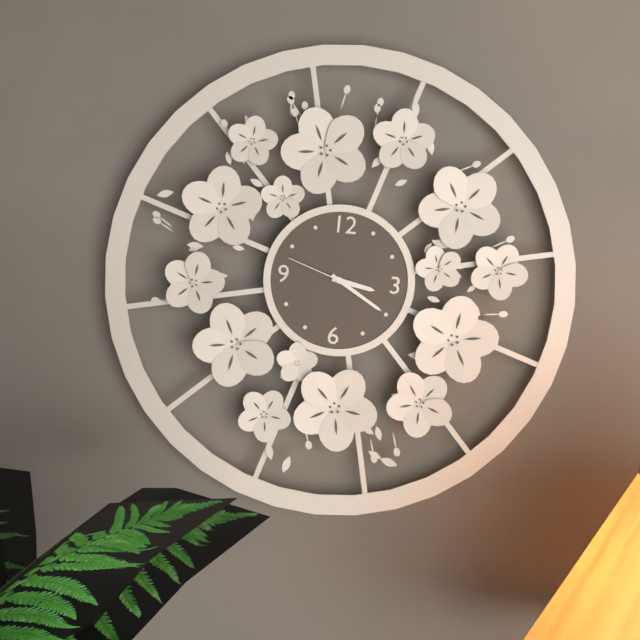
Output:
3.20.48
